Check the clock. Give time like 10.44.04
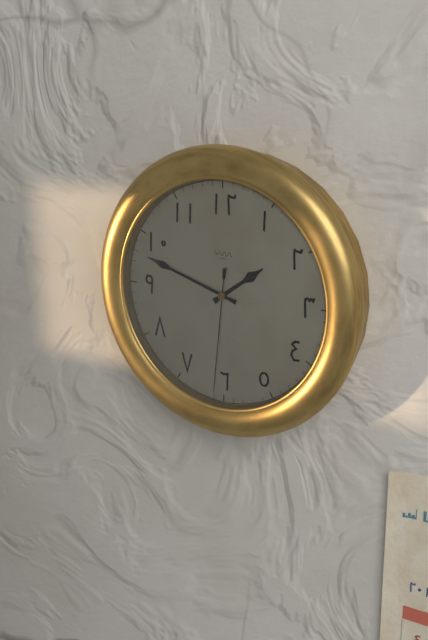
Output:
1.48.31
